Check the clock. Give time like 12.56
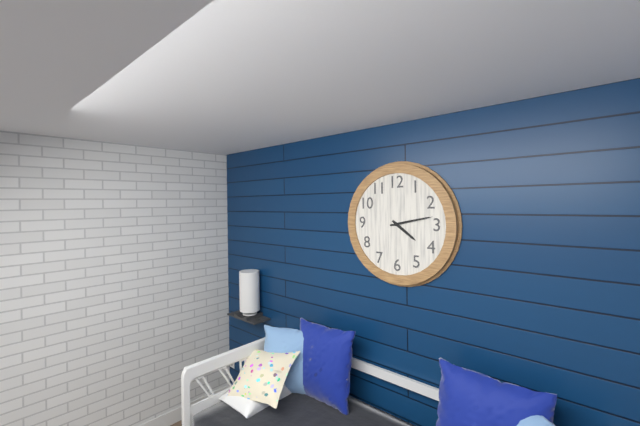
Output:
4.13
